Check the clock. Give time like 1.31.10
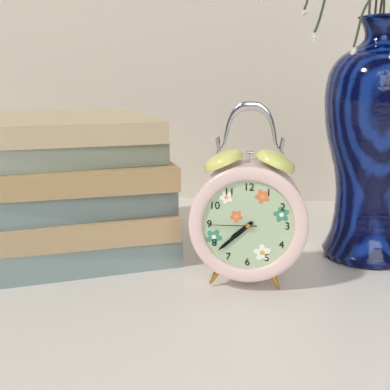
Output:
7.38.45
